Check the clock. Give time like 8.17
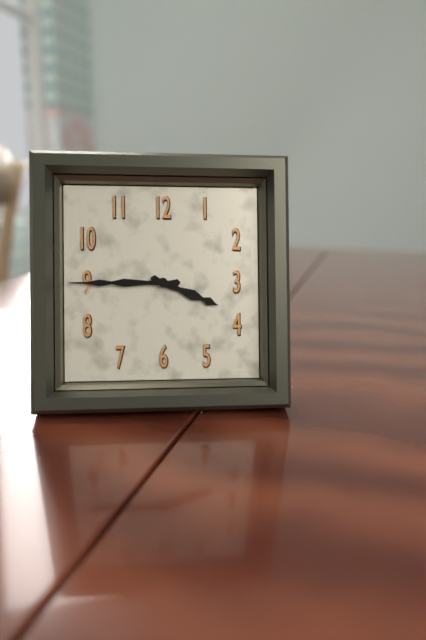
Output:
3.45
